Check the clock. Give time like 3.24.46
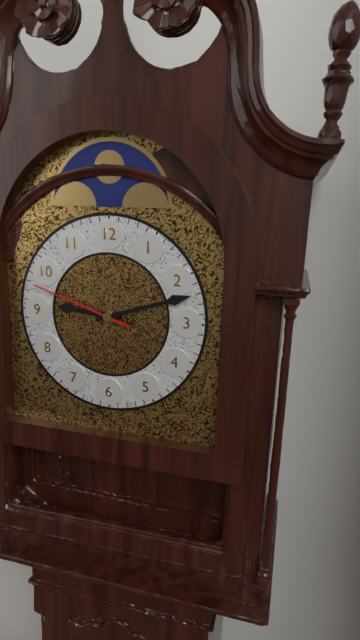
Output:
9.12.48
